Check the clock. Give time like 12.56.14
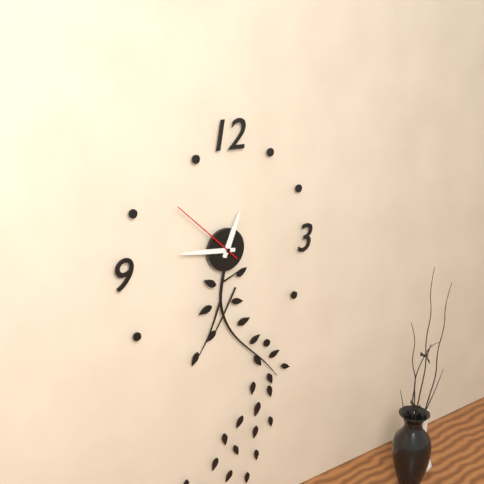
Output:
12.46.52
